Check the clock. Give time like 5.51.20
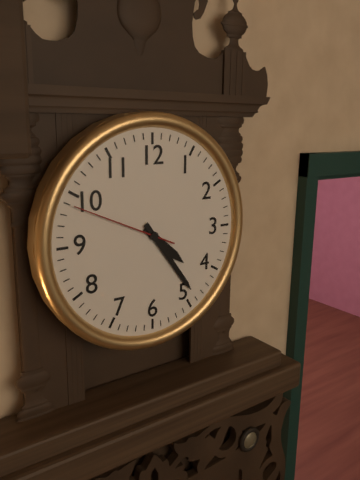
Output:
4.24.49
